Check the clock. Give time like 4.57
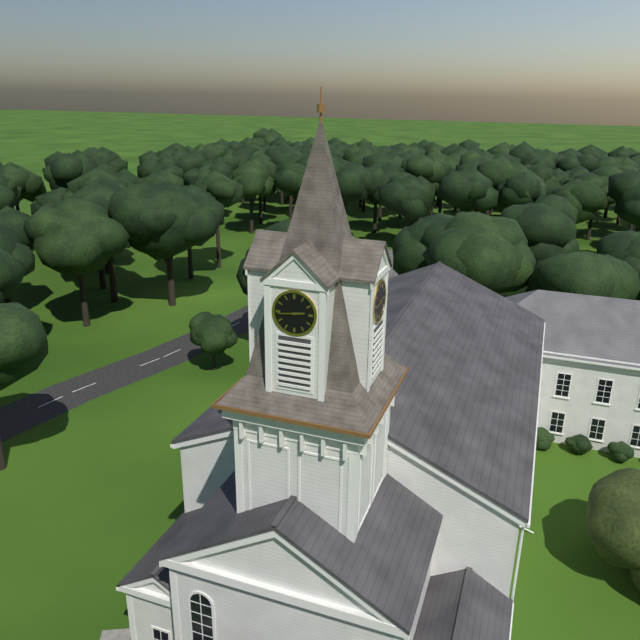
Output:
2.44
